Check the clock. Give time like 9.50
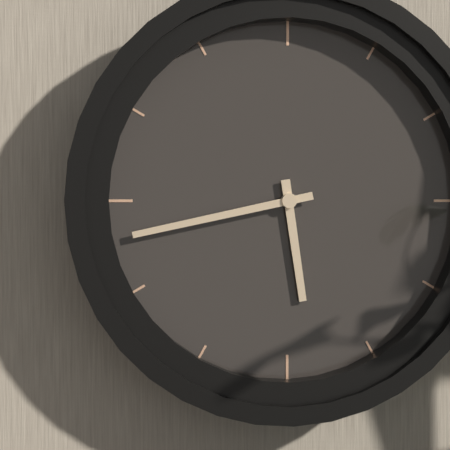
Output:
5.43
